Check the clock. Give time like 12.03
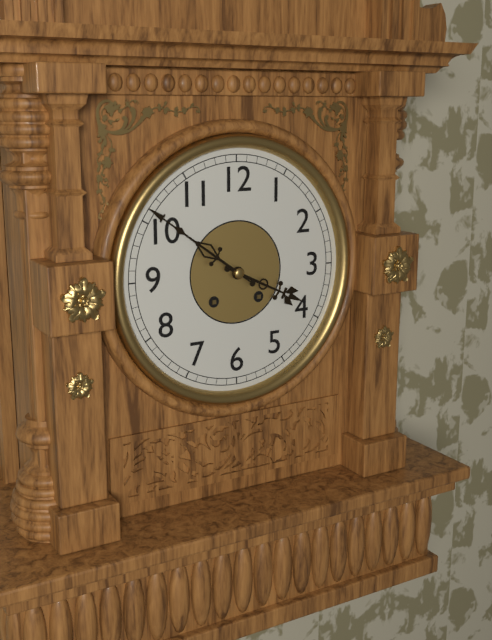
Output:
3.51
